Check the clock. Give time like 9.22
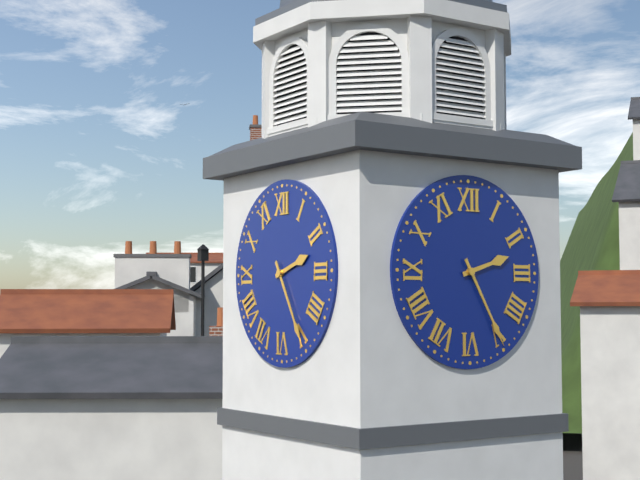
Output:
2.25
